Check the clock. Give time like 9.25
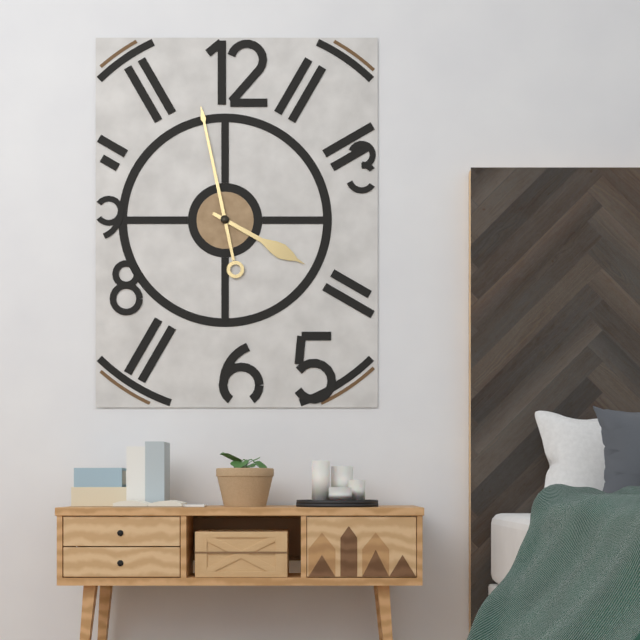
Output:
3.58
